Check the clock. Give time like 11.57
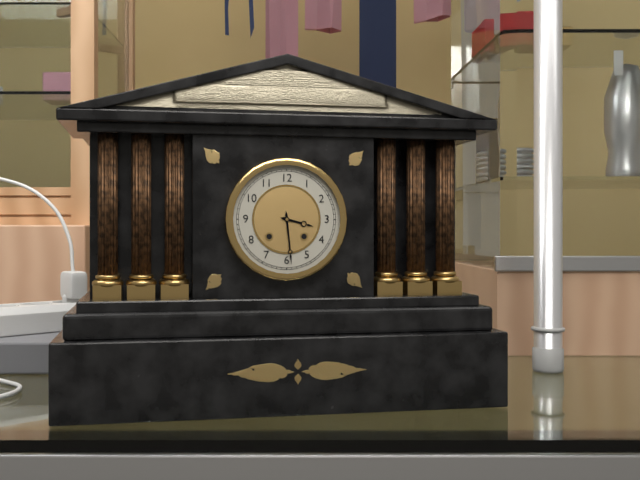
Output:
3.29
